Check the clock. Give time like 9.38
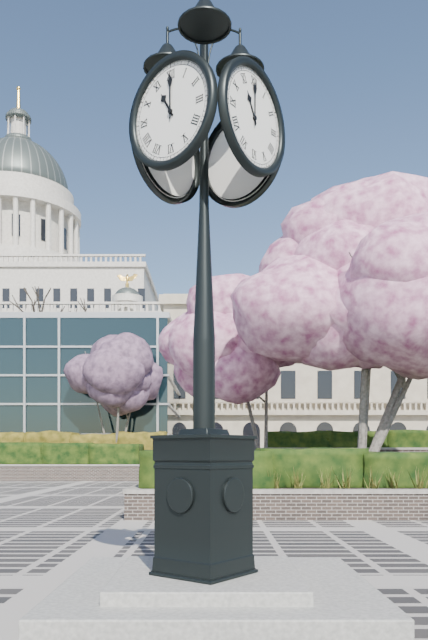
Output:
11.00
